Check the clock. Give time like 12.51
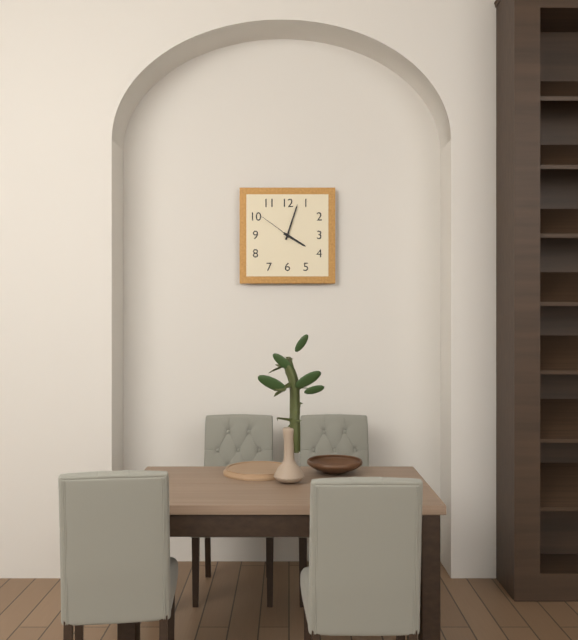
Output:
4.03
